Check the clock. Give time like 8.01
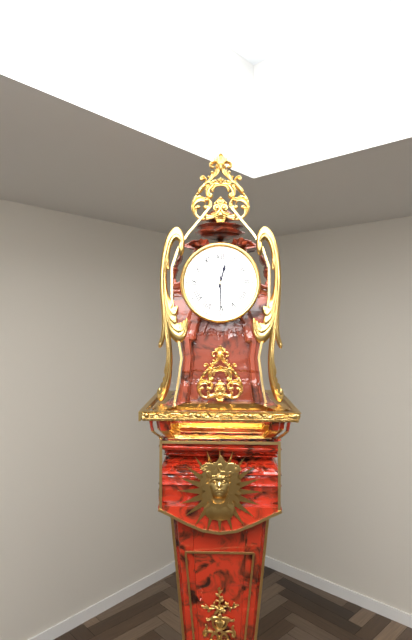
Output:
12.30
